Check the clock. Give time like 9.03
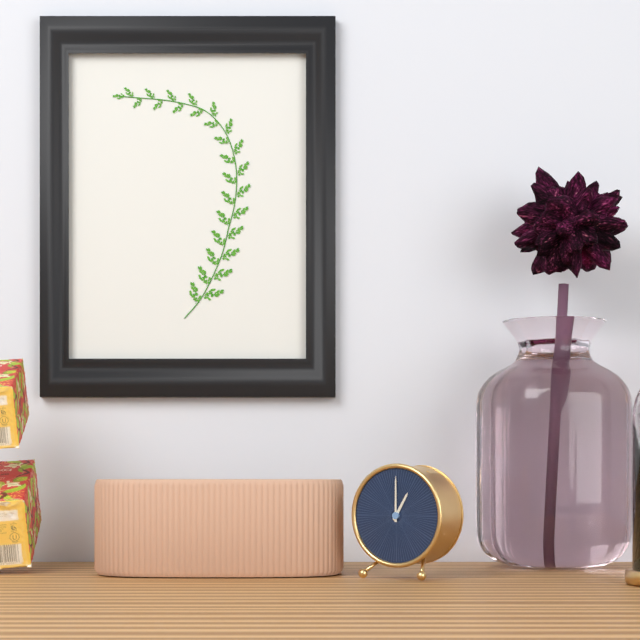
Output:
1.00
